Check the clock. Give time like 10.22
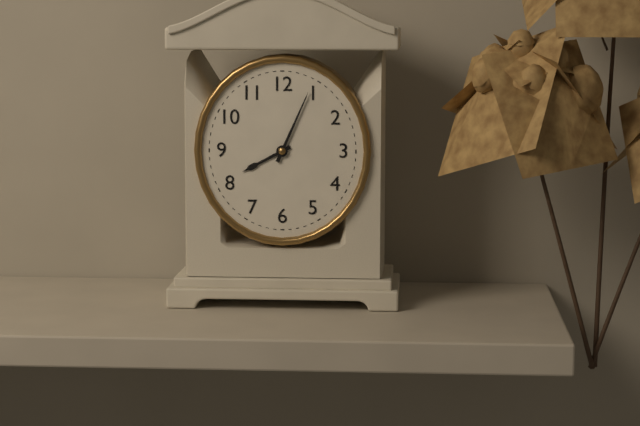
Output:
8.04
